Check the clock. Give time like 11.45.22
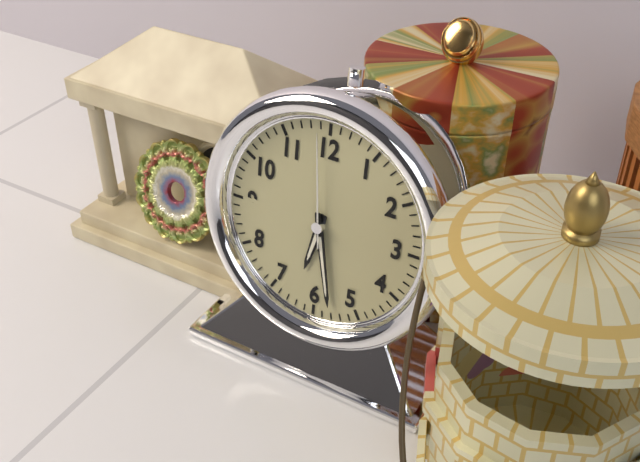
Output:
6.28.59
